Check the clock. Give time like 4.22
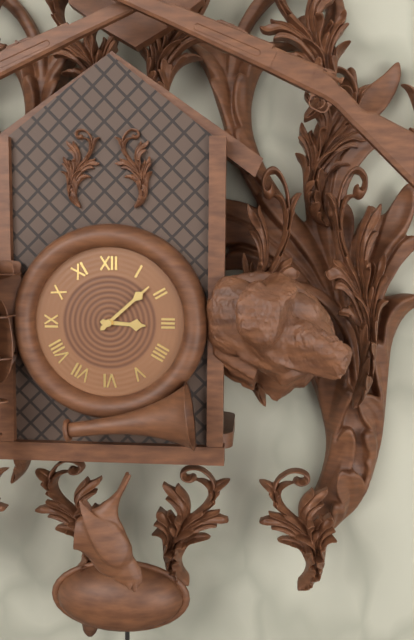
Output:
3.08
